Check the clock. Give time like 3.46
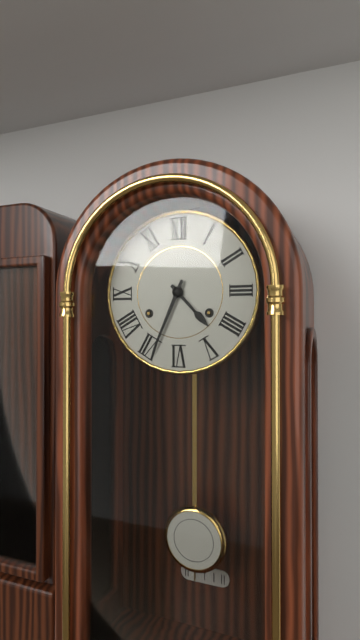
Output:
4.34
